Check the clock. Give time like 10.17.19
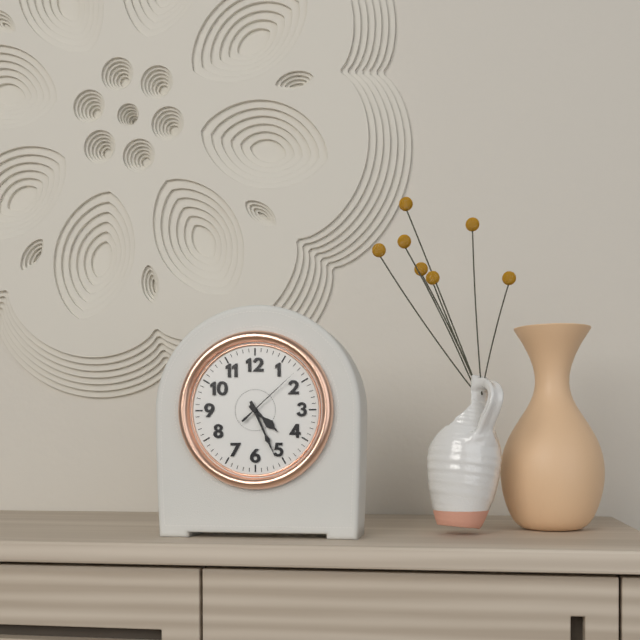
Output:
4.26.08
